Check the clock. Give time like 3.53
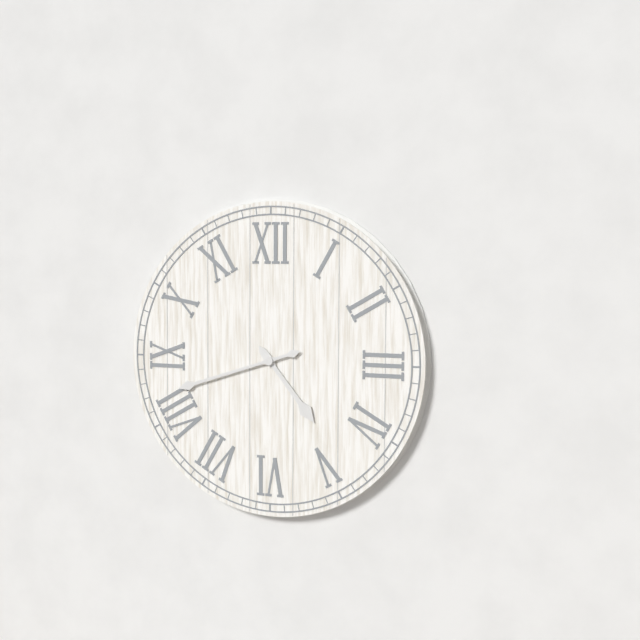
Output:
4.42
